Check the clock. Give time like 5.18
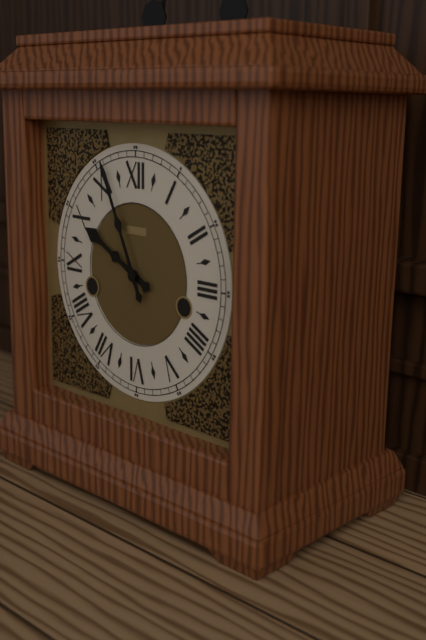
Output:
9.56
